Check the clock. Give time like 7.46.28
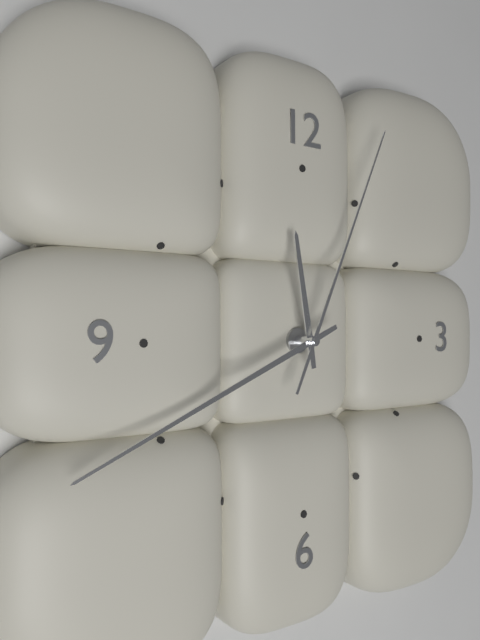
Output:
11.41.04
